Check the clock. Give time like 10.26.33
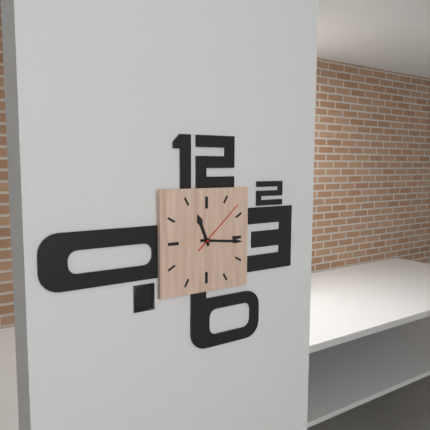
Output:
11.16.08
